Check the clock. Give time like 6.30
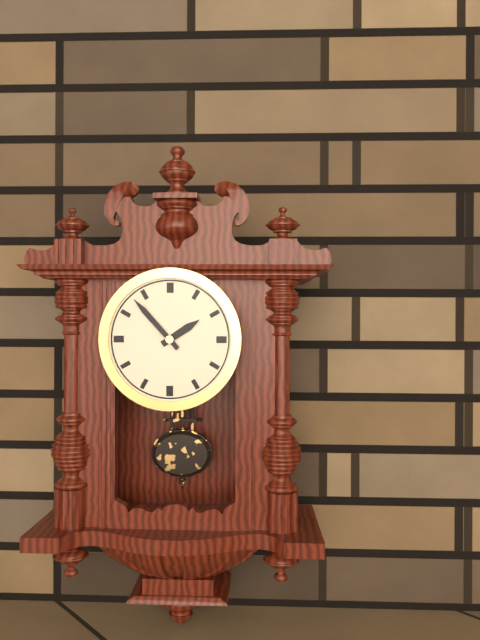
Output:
1.53
